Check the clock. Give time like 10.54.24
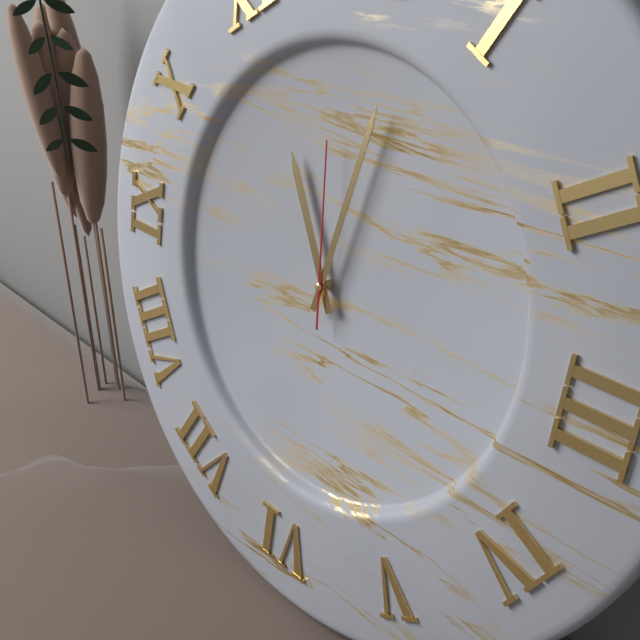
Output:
11.02.59
